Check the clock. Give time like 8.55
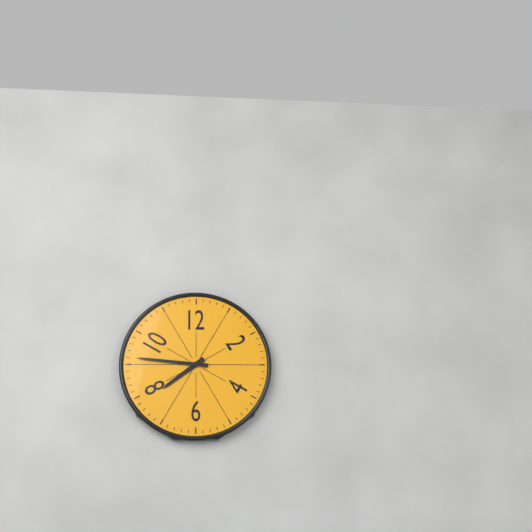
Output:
7.46
